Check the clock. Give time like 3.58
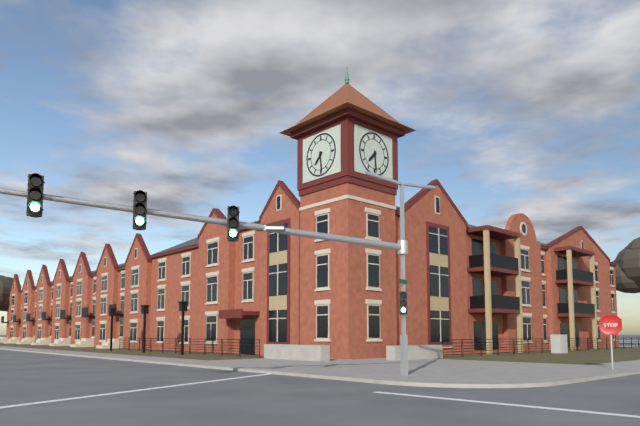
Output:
7.29
